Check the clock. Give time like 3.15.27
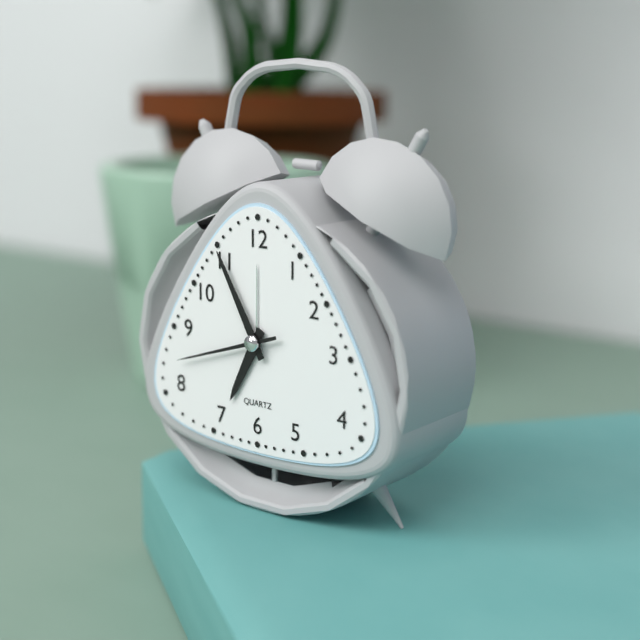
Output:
6.55.42
